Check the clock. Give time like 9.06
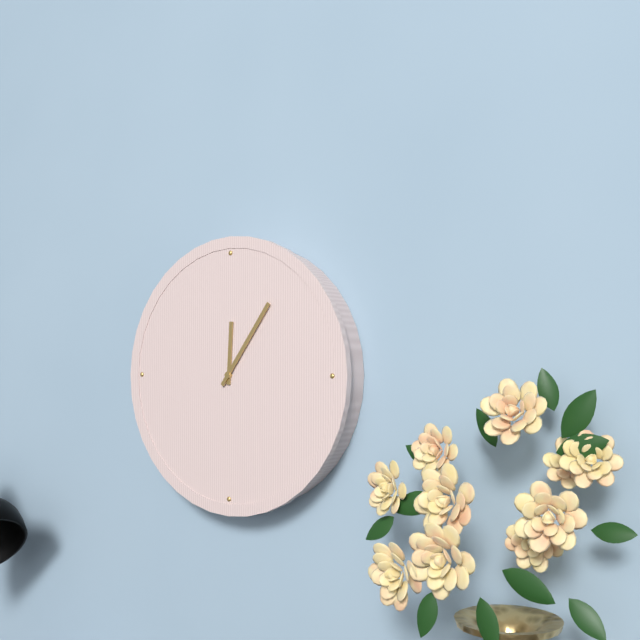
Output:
12.06
